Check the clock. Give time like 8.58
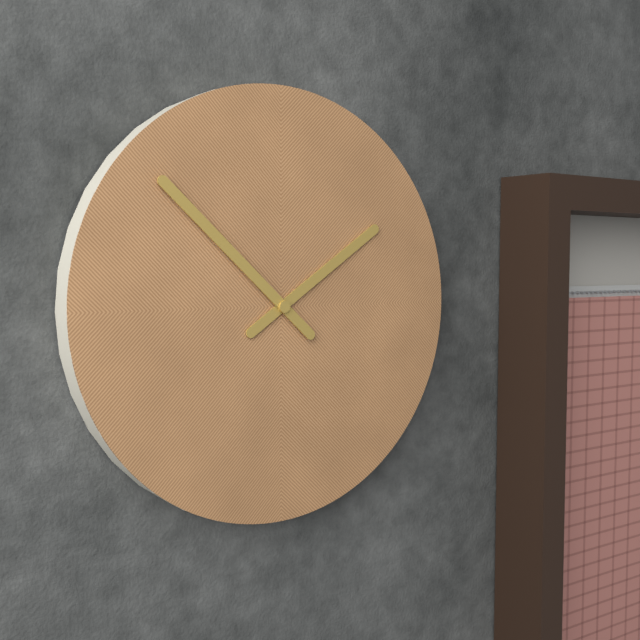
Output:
1.52
